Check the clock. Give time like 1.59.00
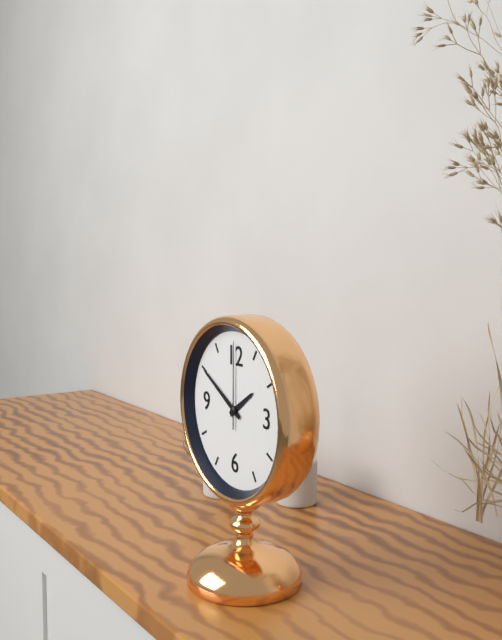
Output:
1.50.00
